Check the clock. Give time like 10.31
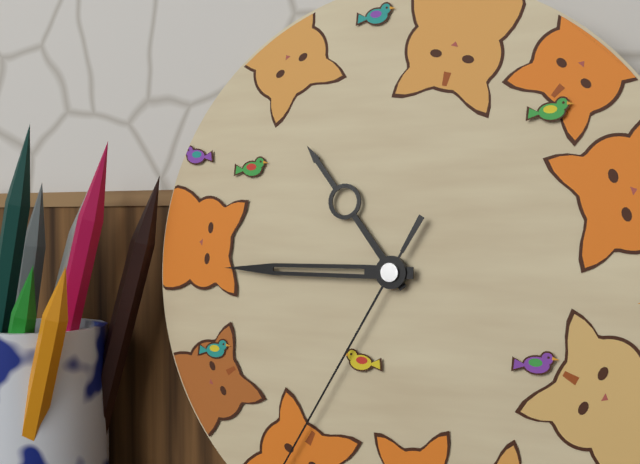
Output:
10.45
